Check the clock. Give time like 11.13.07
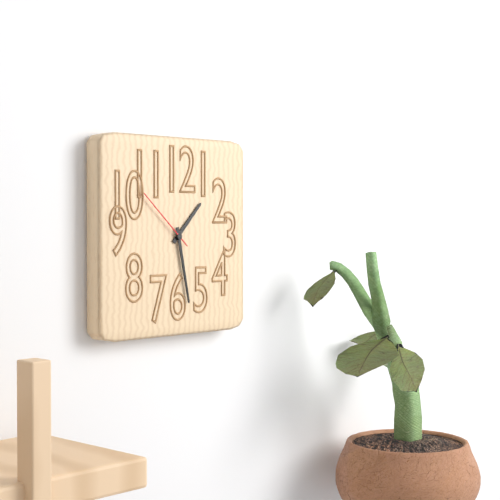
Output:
1.28.52
